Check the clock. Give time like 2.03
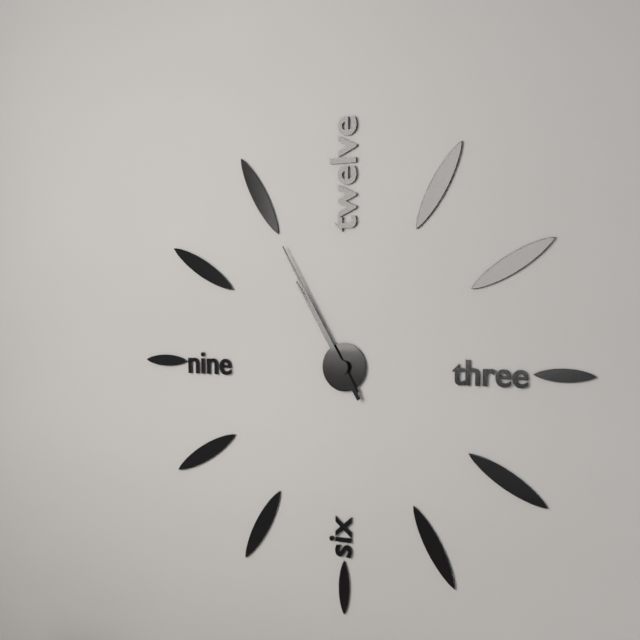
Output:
10.55
